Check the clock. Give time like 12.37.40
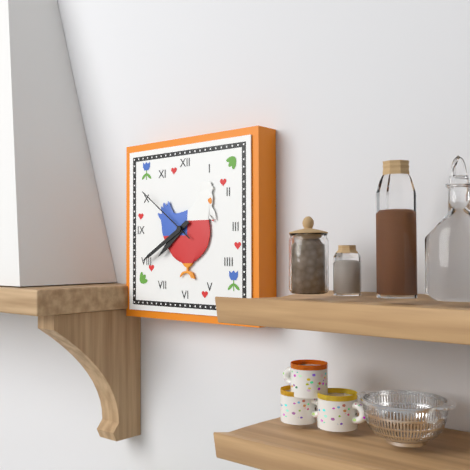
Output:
7.40.51
